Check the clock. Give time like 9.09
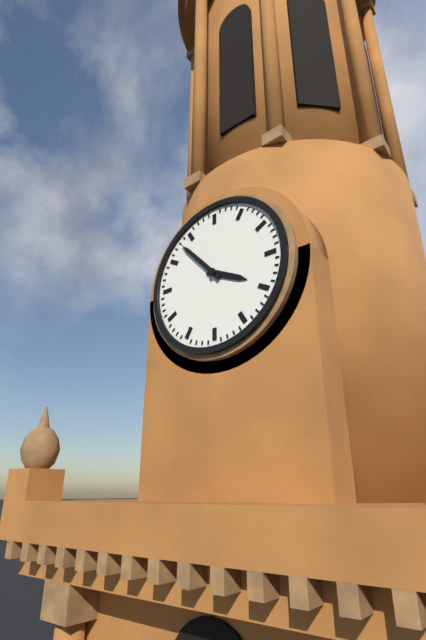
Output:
3.53
